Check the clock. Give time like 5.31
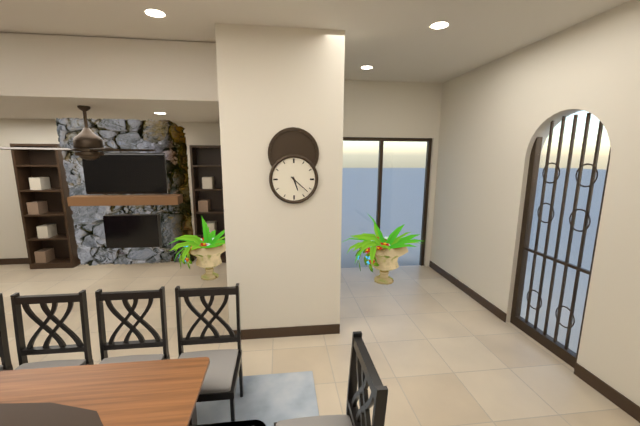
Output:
5.22
